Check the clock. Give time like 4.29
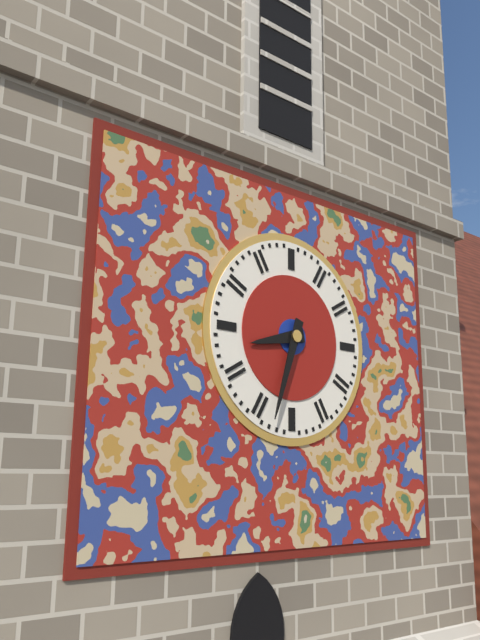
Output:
8.33
